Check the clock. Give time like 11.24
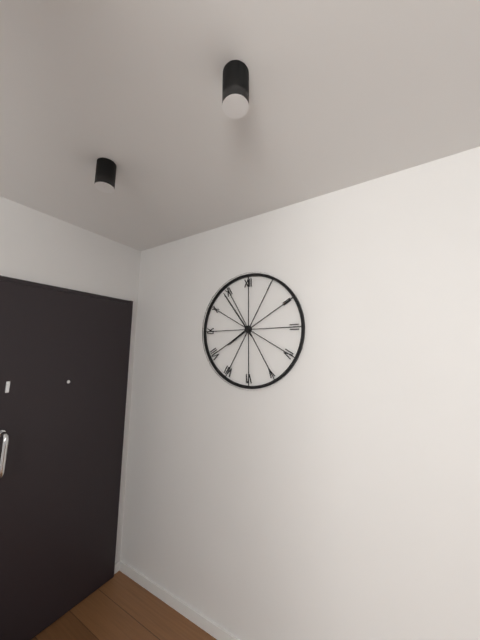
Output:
7.54
